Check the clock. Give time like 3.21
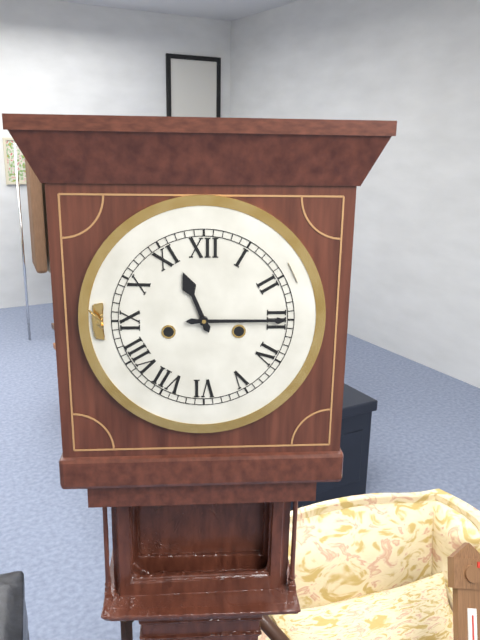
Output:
11.15
